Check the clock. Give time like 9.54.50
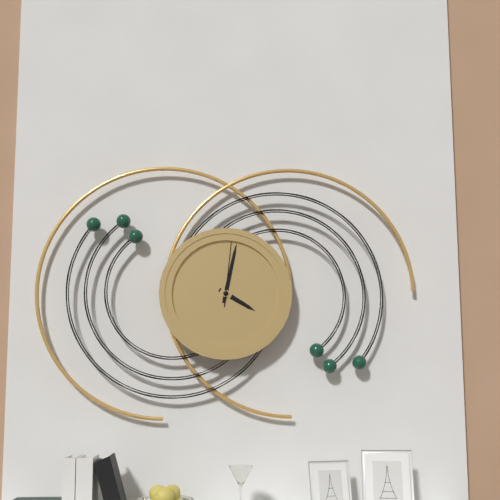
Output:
4.02.01
